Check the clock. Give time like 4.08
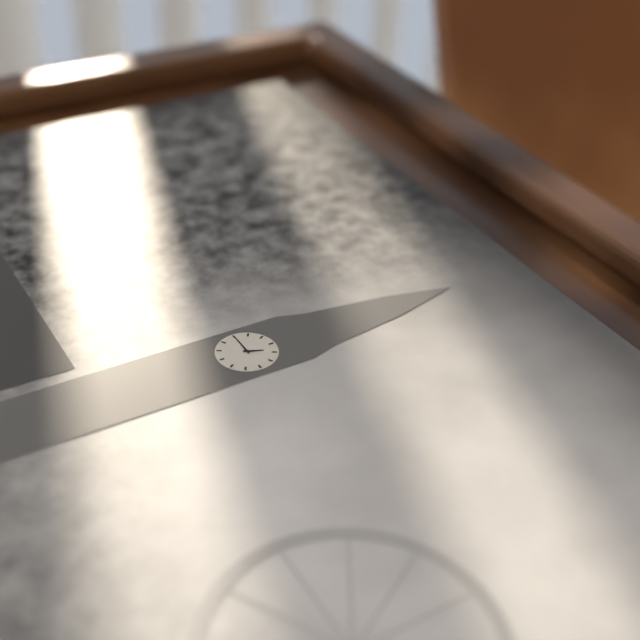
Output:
12.45
